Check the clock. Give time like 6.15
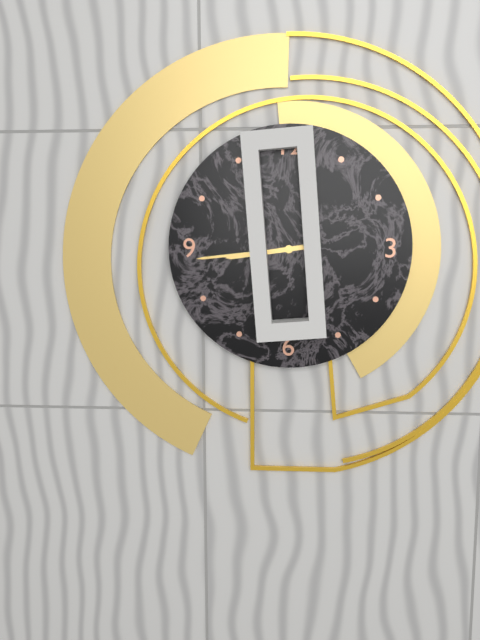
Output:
8.44
